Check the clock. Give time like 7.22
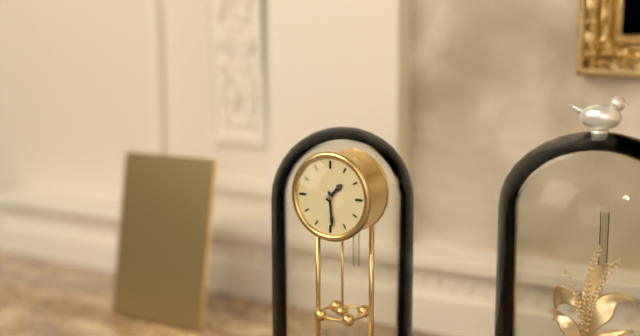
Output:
1.29
